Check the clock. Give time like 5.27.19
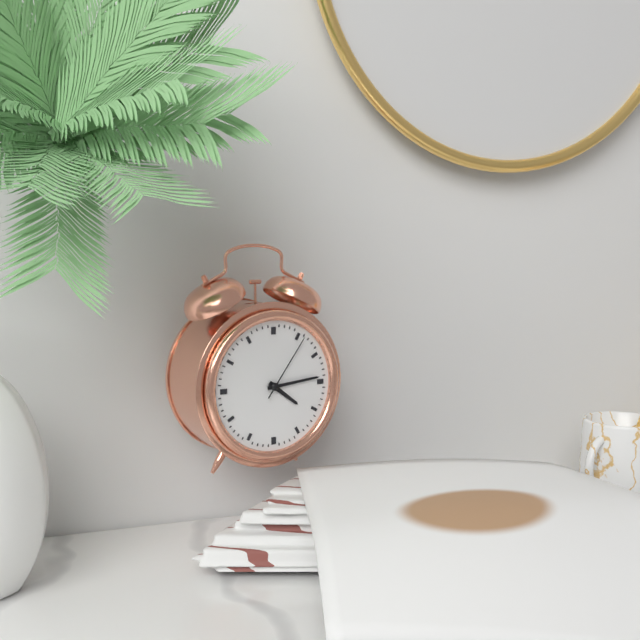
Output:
4.14.06
